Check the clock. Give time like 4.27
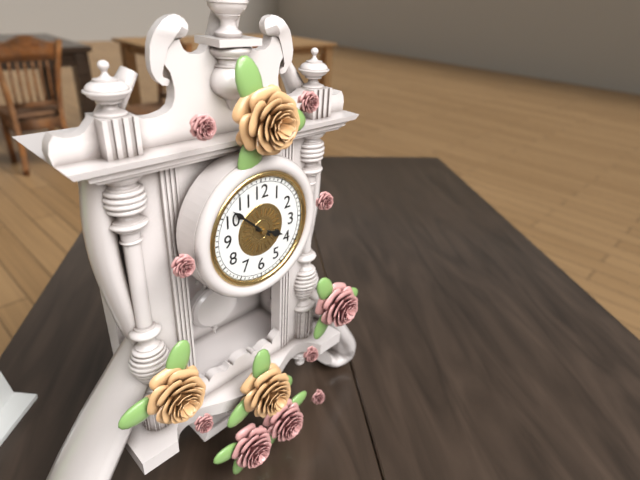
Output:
3.52
